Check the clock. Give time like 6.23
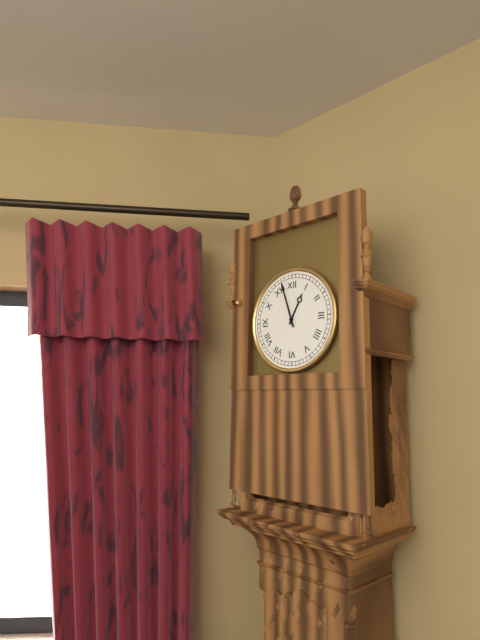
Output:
12.57
